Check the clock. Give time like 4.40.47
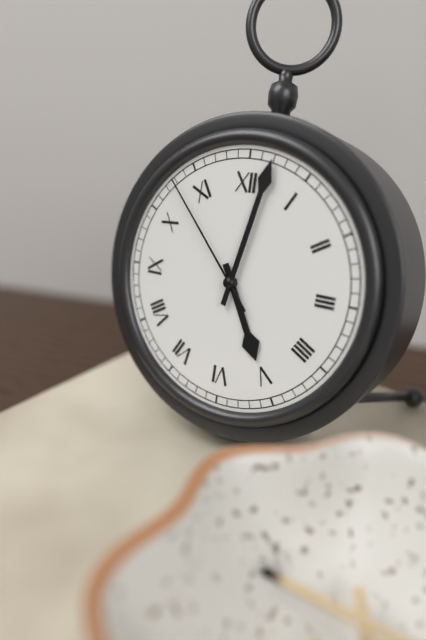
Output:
5.02.53
